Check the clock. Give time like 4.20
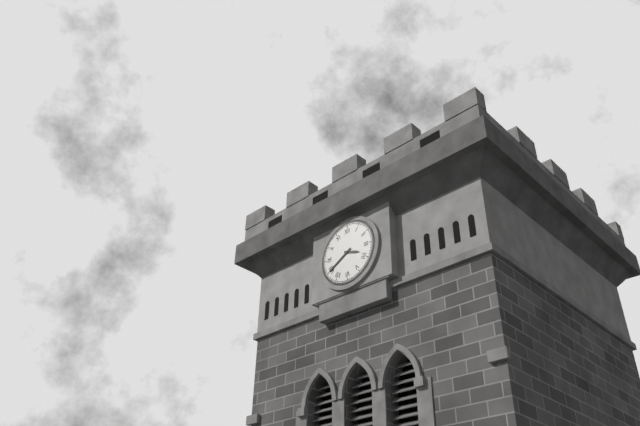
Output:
3.40
